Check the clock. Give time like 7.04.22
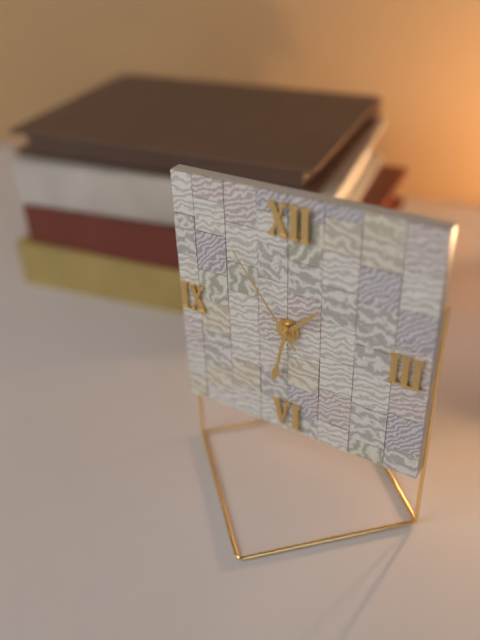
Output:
1.32.54
